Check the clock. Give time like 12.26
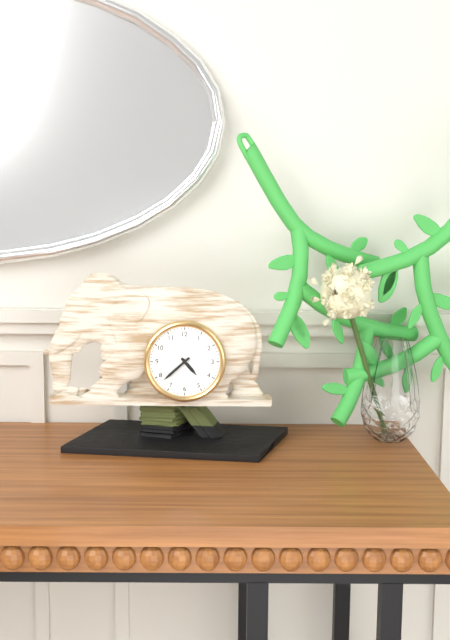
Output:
4.38
